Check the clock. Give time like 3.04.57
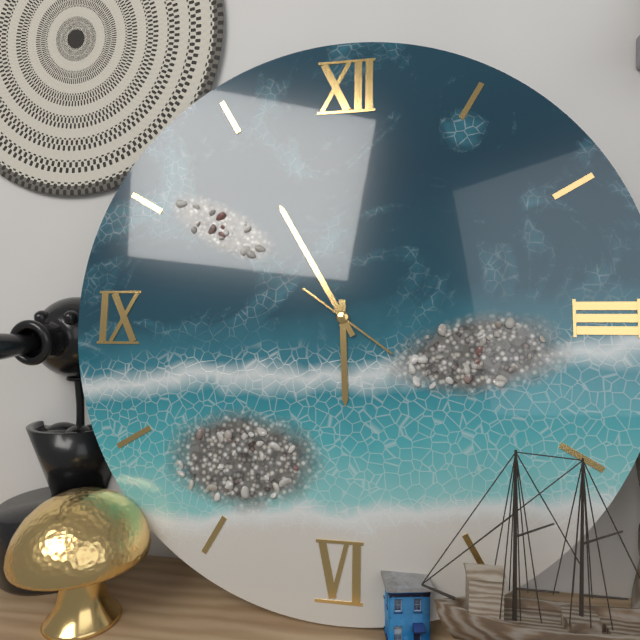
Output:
5.55.21
